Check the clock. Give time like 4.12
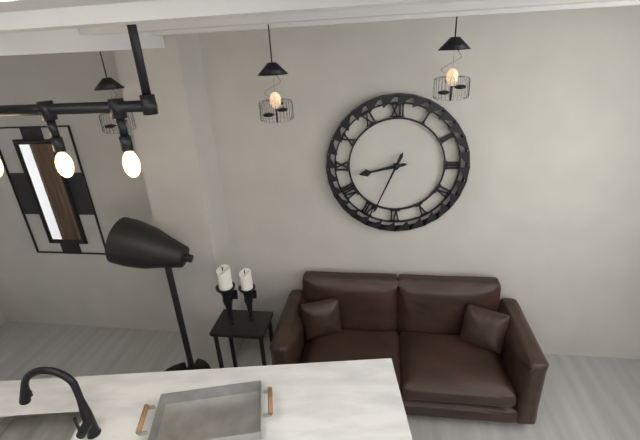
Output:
8.34
